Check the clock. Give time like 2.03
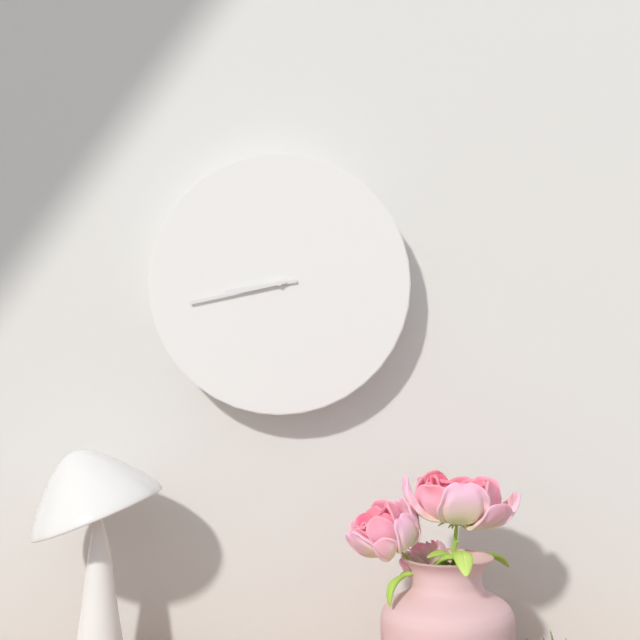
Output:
8.43
